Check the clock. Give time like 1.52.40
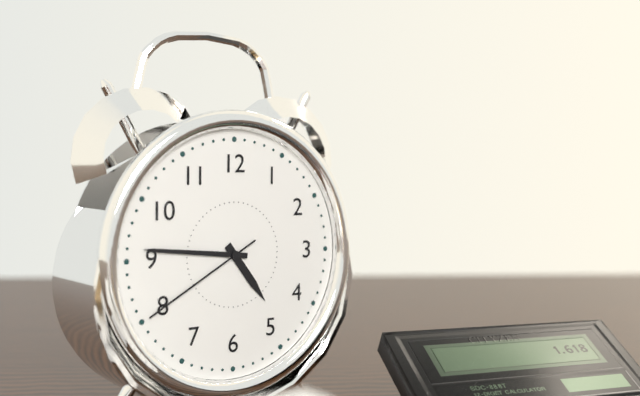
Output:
4.46.40
